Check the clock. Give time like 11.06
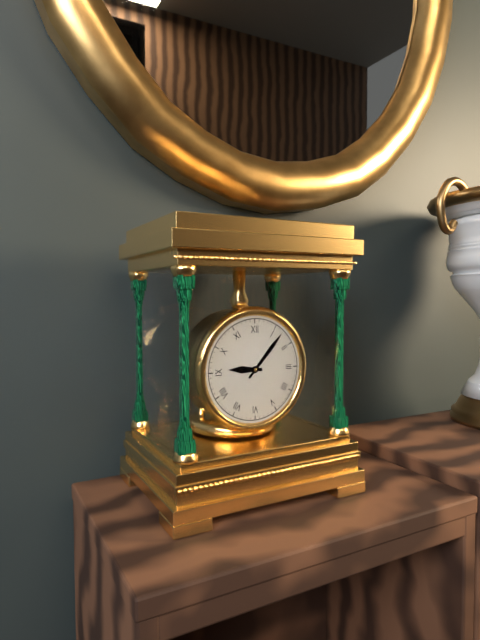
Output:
9.07
